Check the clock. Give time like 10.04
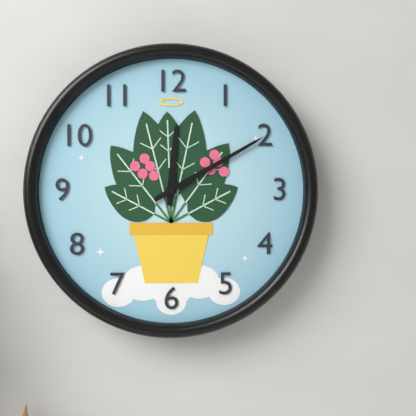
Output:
12.10
